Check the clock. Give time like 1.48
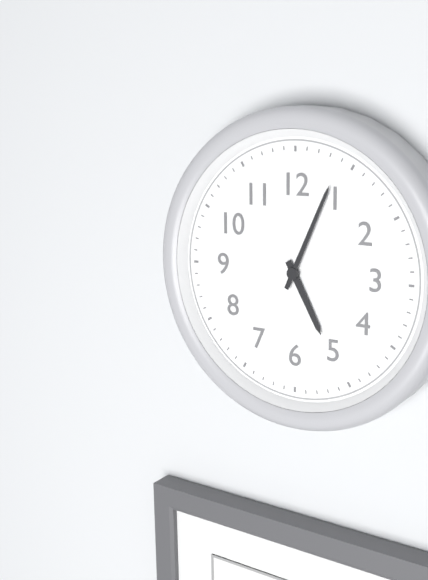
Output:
5.04
